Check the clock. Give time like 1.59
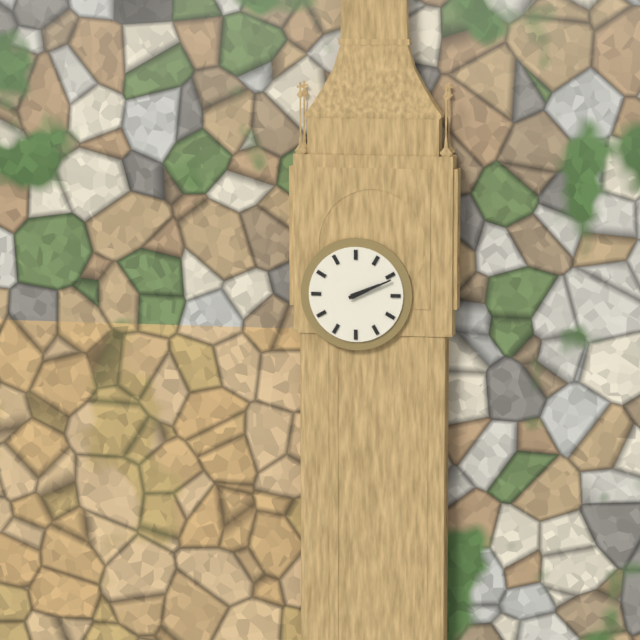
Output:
2.11
